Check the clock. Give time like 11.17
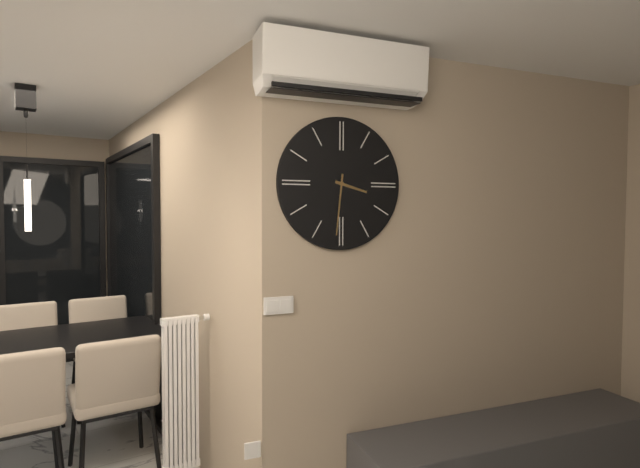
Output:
3.31
